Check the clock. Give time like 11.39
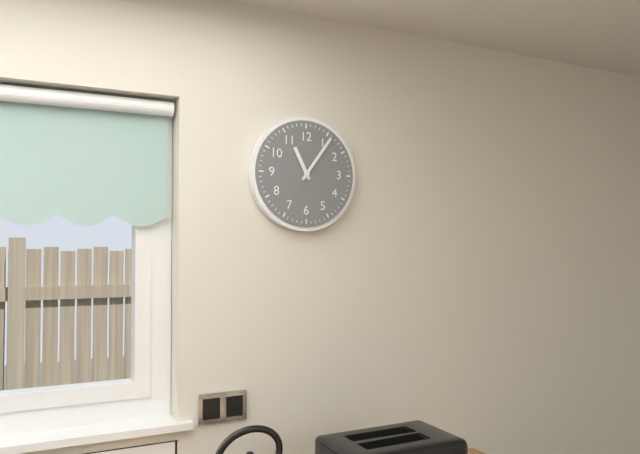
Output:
11.06
